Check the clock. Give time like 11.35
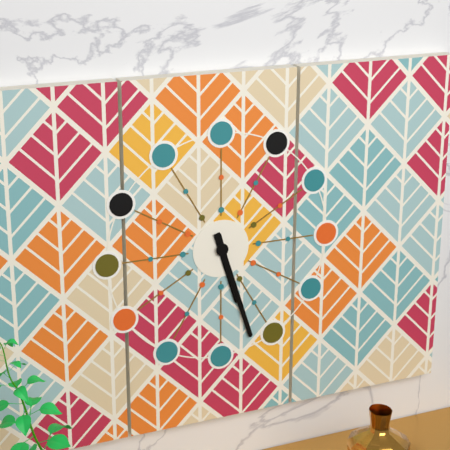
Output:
5.27
